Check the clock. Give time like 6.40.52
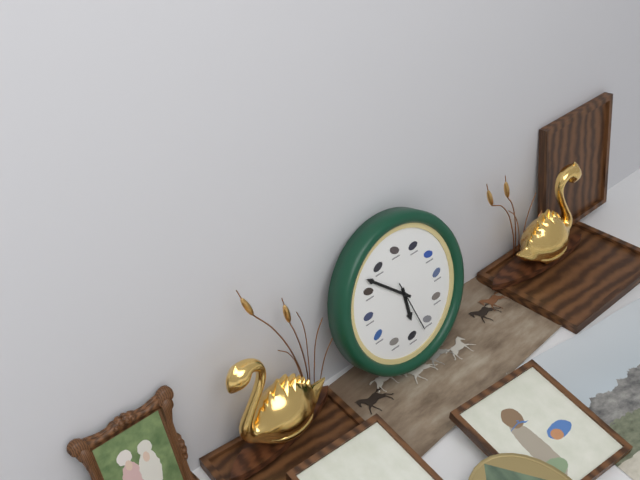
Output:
5.52.27
